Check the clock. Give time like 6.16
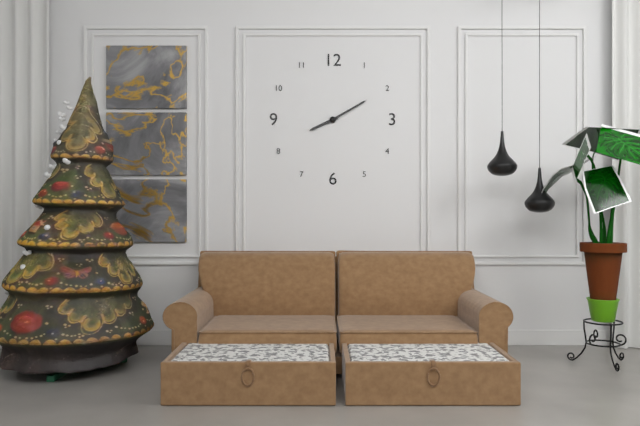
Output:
8.10
